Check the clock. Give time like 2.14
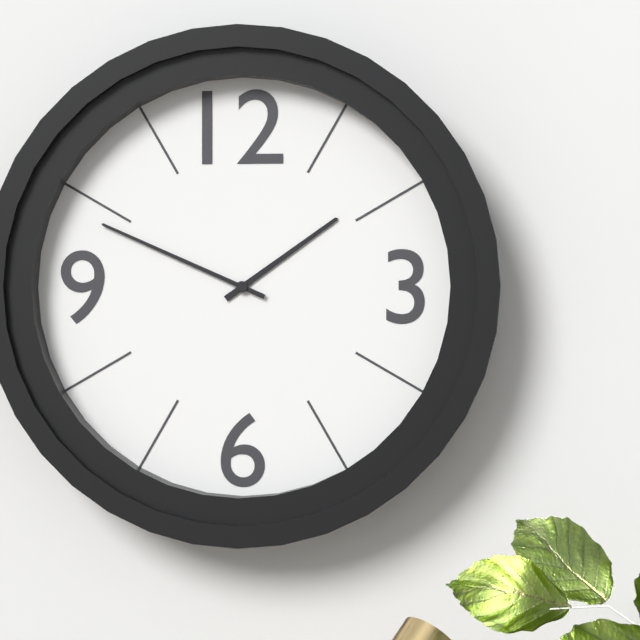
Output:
1.49
